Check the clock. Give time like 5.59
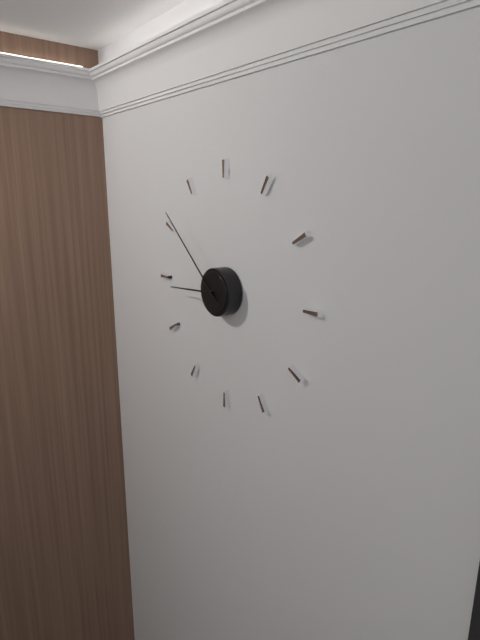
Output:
8.52
